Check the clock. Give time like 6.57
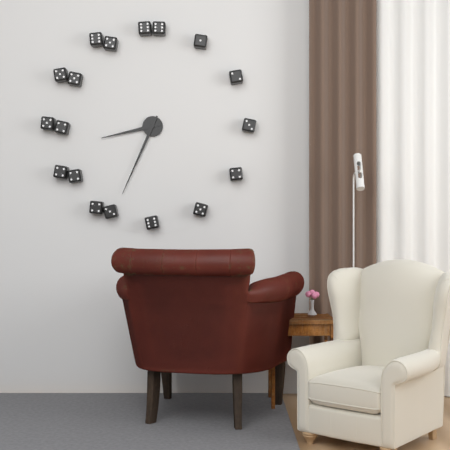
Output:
8.34
